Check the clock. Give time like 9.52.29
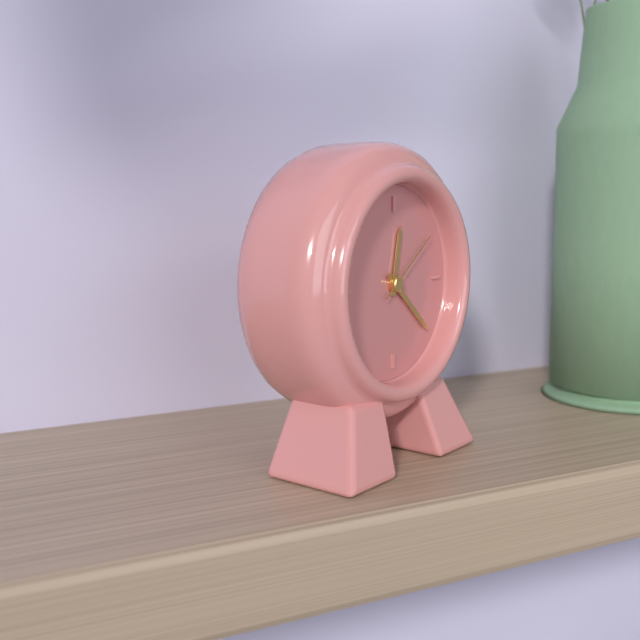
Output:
12.22.09
